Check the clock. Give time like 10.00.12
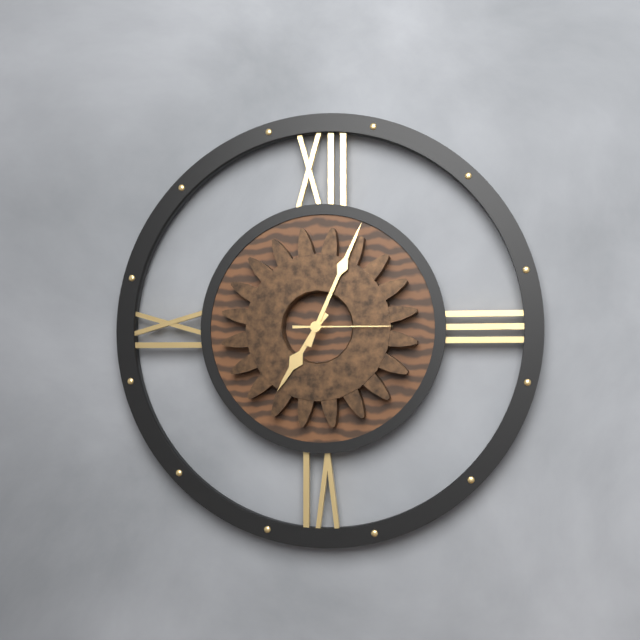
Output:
7.04.15
